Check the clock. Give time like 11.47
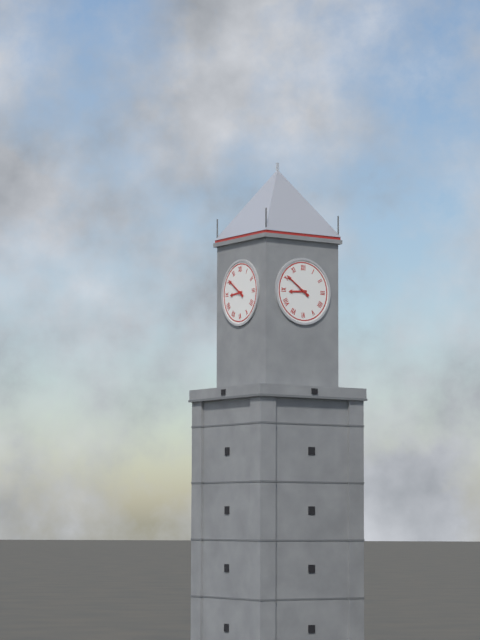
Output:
8.51
